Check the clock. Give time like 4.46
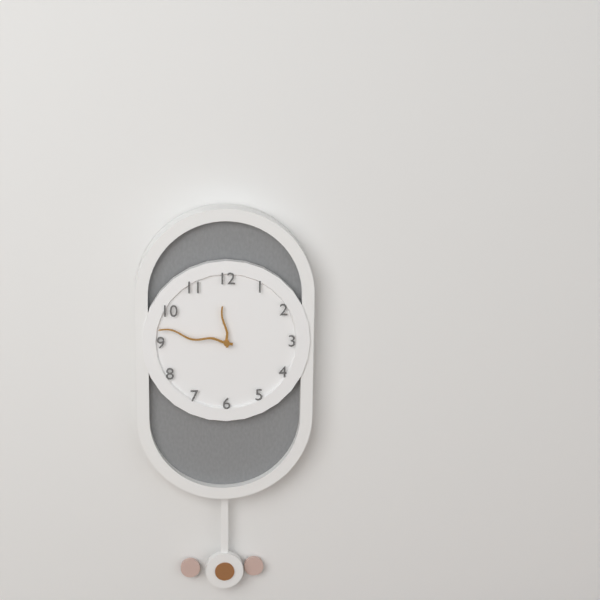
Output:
11.47
